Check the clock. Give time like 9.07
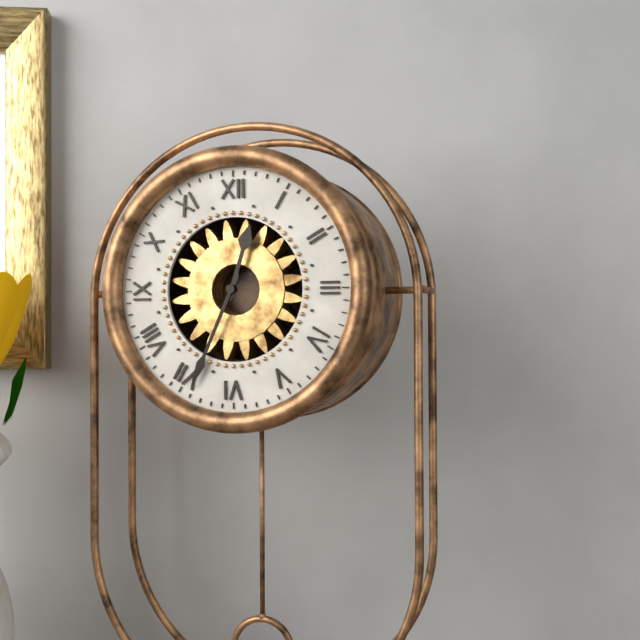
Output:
12.34
